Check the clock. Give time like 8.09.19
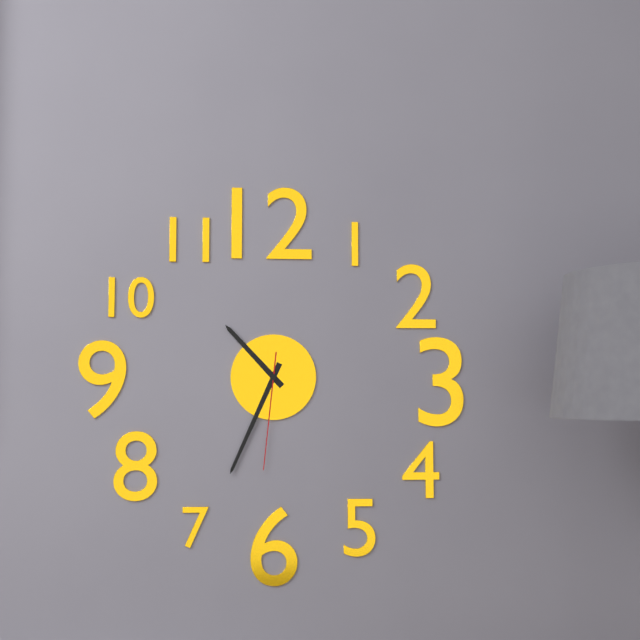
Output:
10.34.31
